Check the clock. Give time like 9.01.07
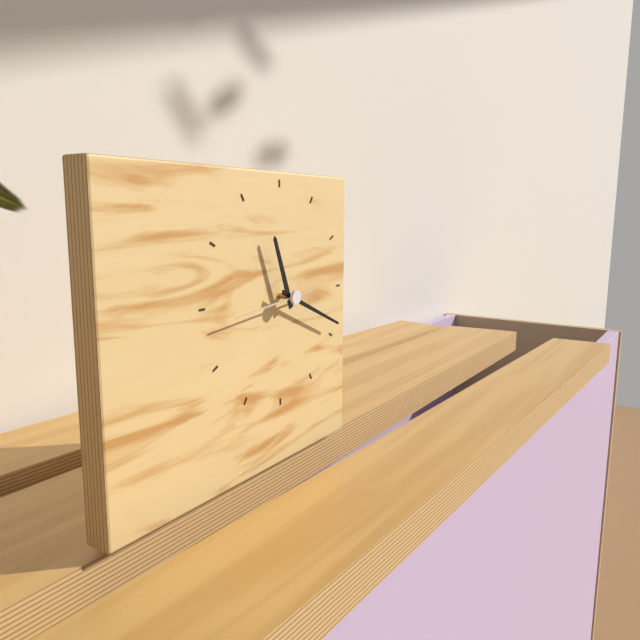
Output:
11.19.44
